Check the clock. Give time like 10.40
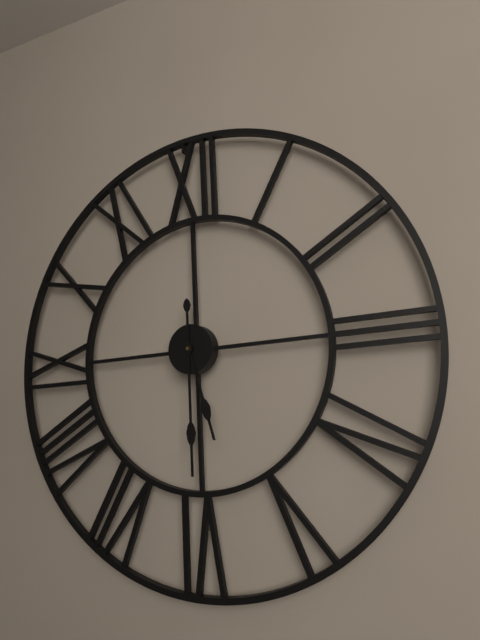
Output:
5.30
